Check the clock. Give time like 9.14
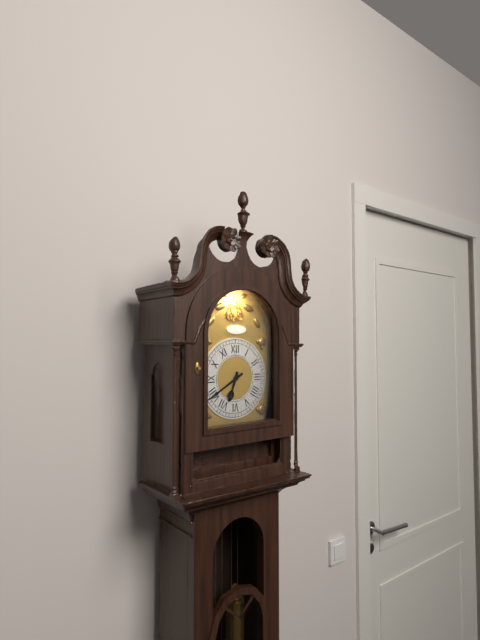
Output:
6.40
